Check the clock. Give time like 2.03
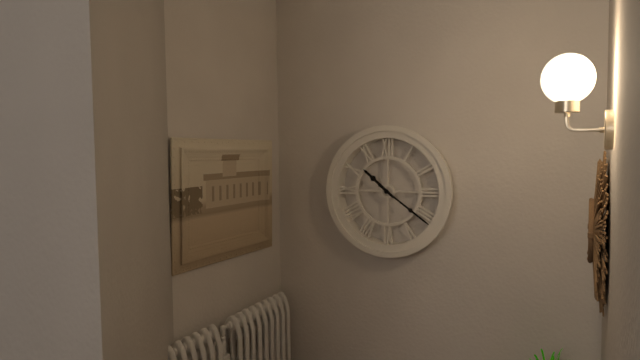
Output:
10.21
